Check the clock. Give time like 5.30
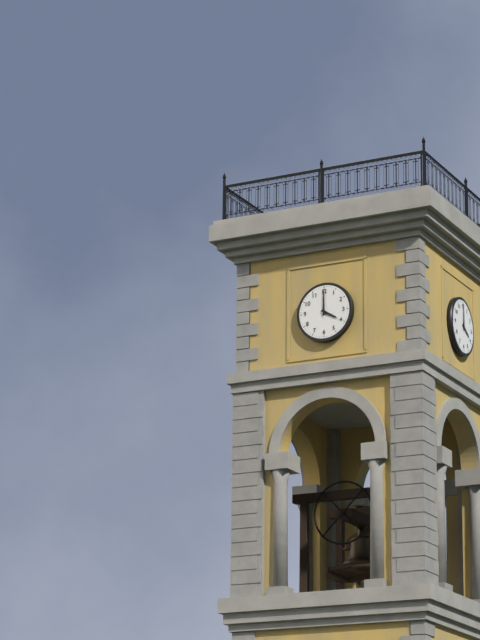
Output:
4.00
